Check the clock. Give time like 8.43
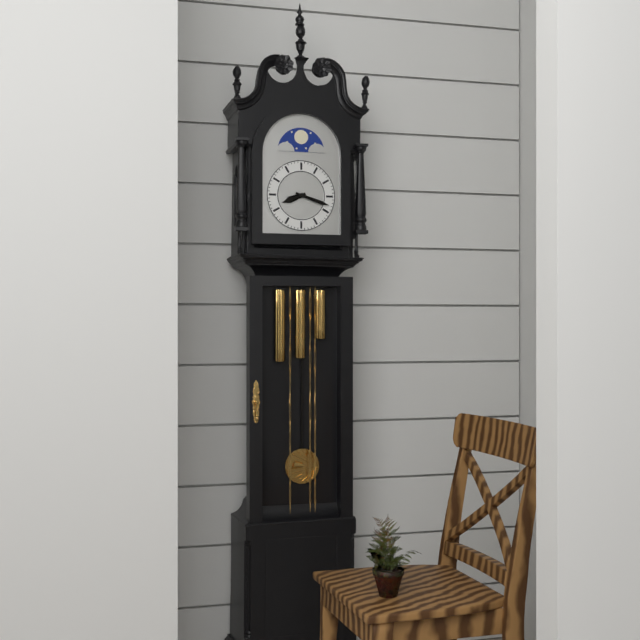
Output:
8.18
